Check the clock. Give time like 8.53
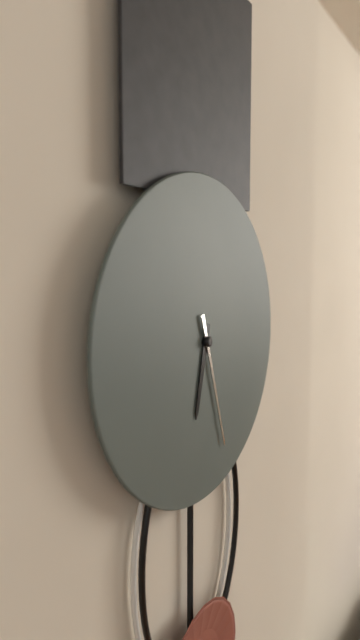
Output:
6.27
